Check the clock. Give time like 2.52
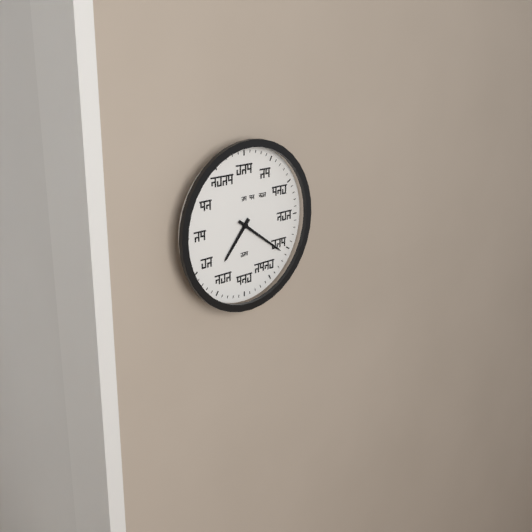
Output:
7.21
